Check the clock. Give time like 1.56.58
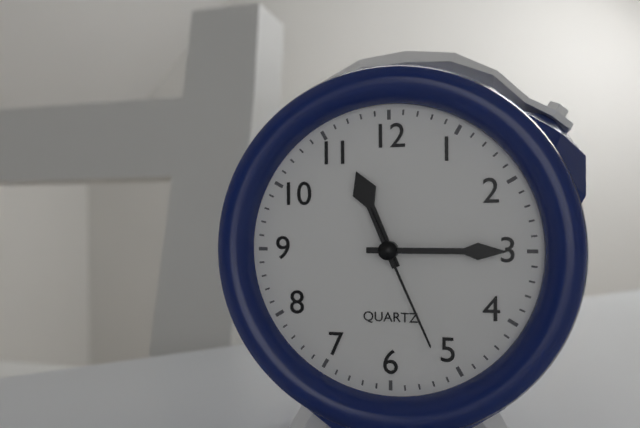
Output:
11.15.26
